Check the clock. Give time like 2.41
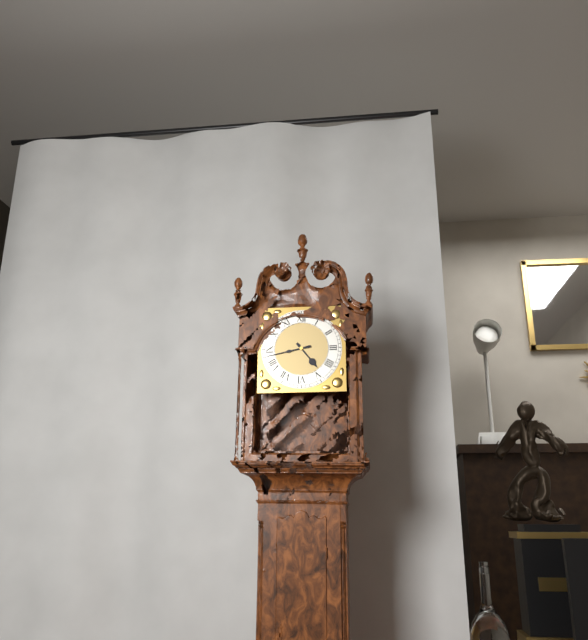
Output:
4.43
